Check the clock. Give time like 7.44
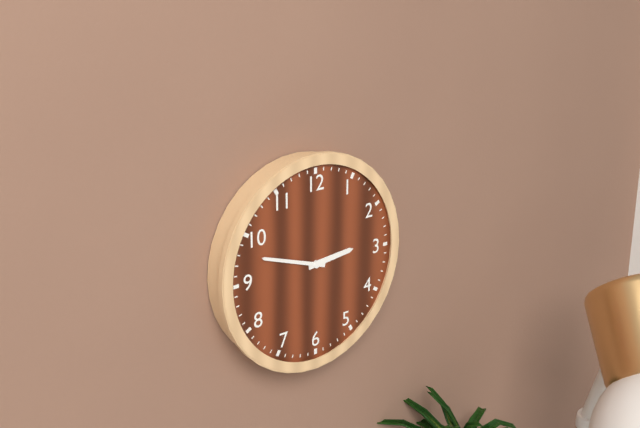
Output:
2.48
